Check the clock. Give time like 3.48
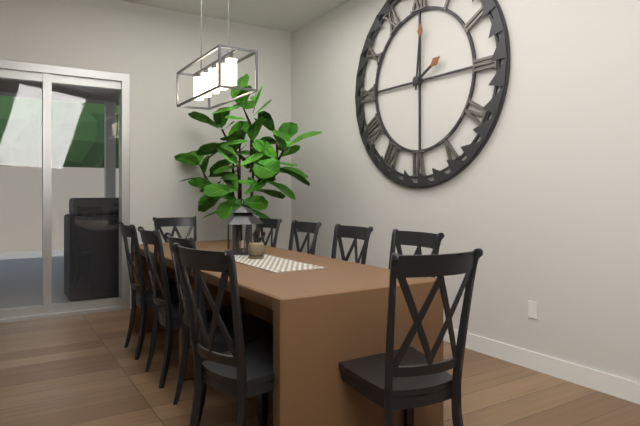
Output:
2.01
